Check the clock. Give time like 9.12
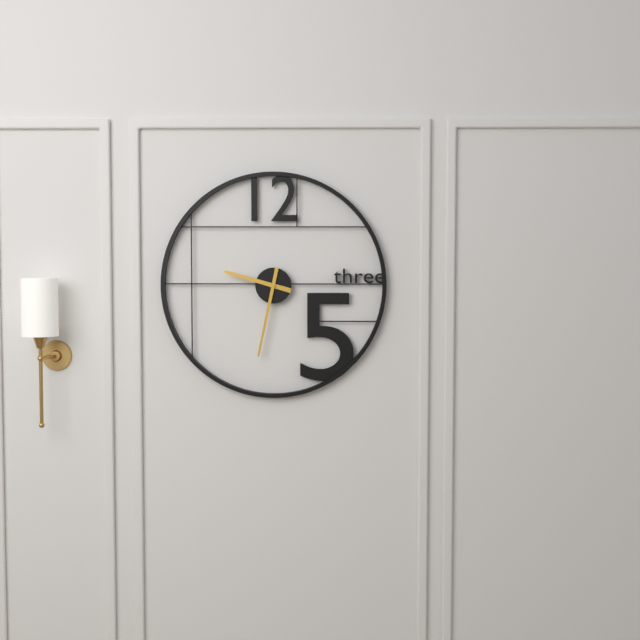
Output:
9.32
